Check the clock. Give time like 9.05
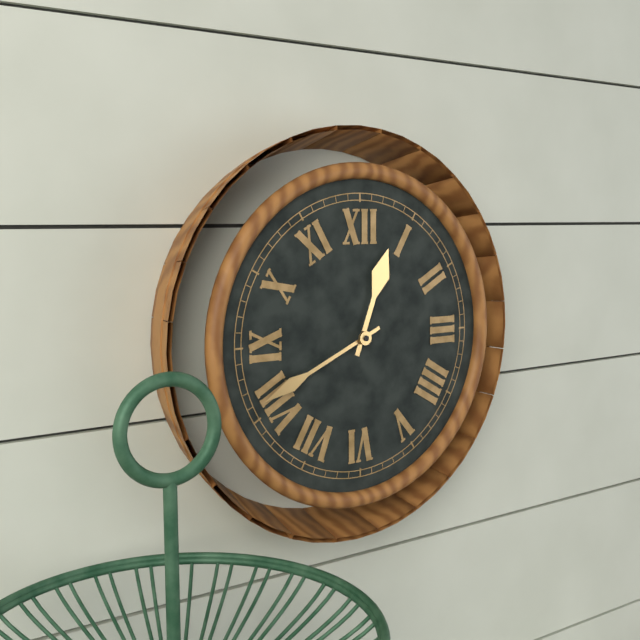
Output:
12.41
